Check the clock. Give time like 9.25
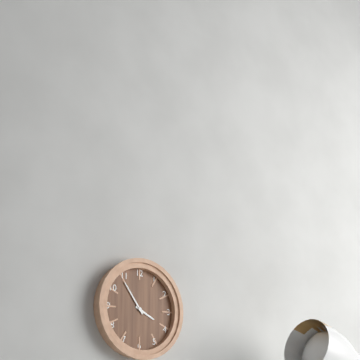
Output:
3.54
